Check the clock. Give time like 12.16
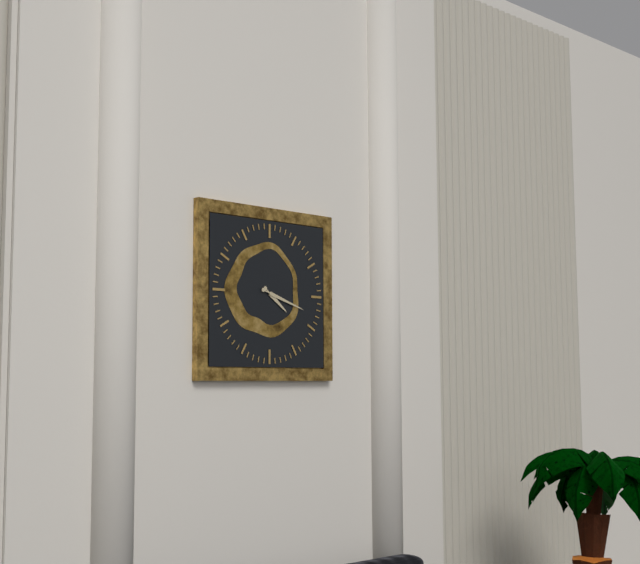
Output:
4.18
